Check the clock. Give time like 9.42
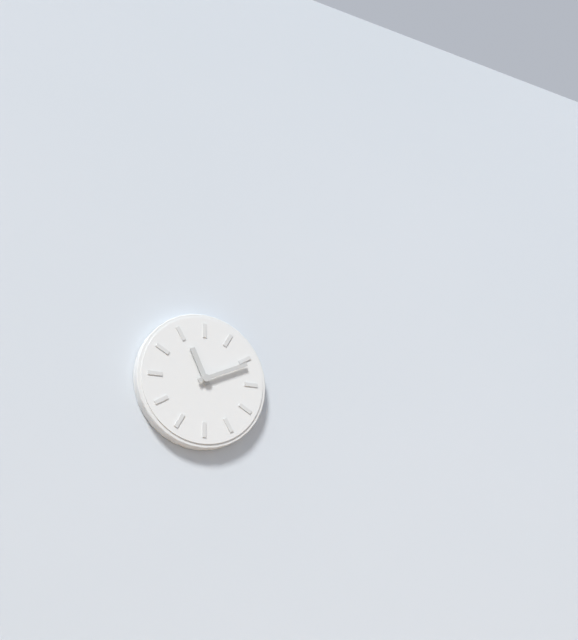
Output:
11.11
